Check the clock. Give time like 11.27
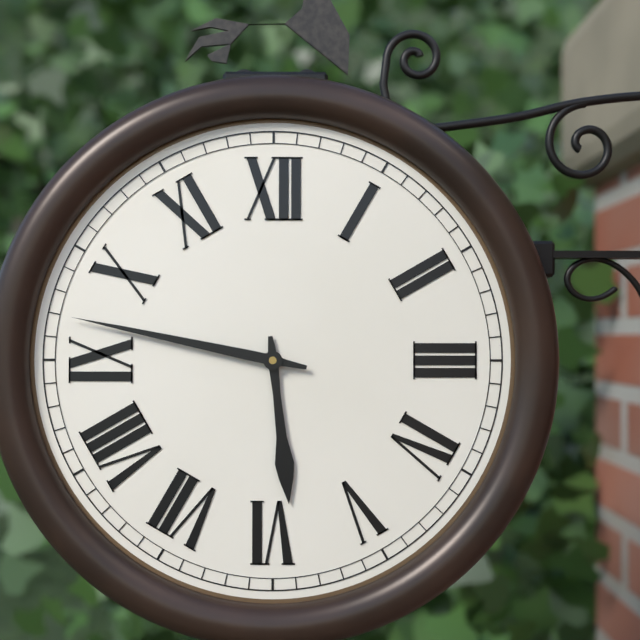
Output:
5.47
